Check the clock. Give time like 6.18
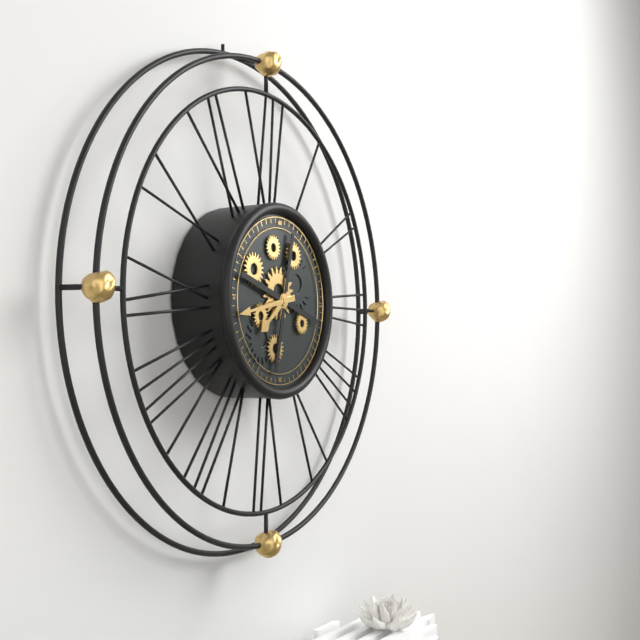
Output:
7.43
